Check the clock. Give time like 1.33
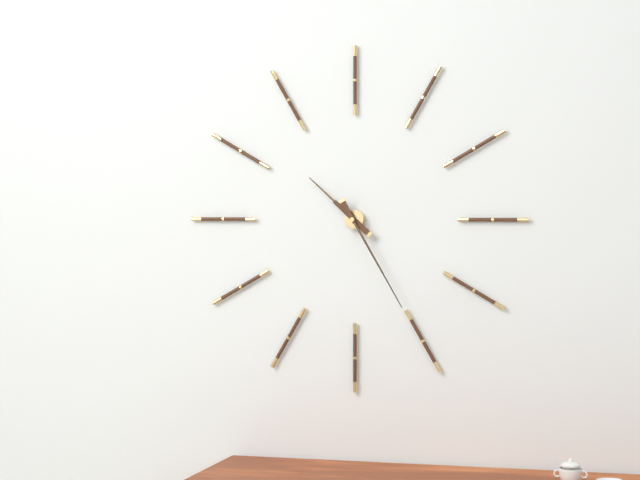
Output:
10.25
